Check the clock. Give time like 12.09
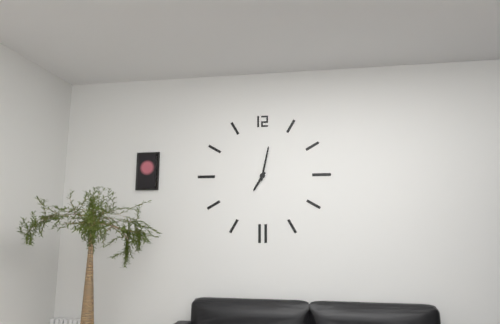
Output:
7.02
